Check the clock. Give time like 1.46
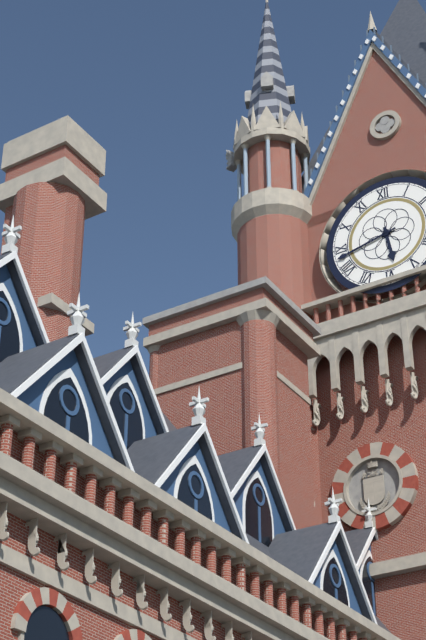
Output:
5.43
